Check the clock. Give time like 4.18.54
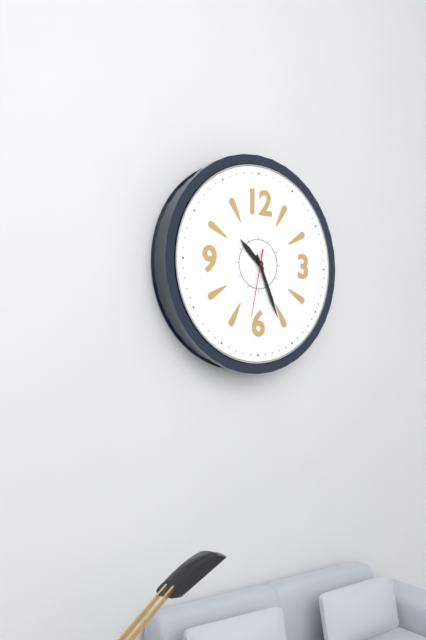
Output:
10.26.32
